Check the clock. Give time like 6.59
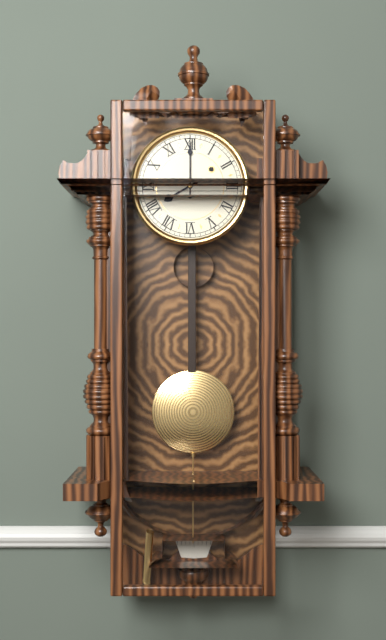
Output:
8.00
